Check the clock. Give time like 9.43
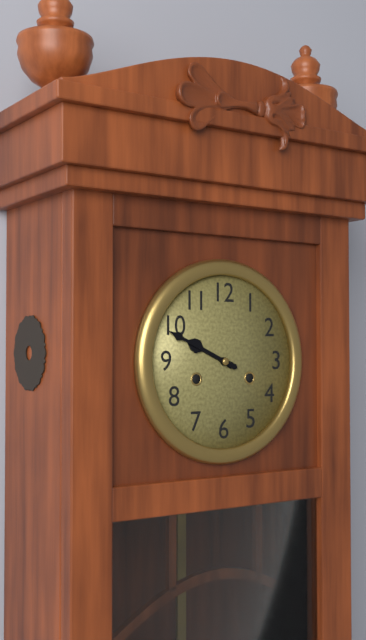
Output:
9.49
